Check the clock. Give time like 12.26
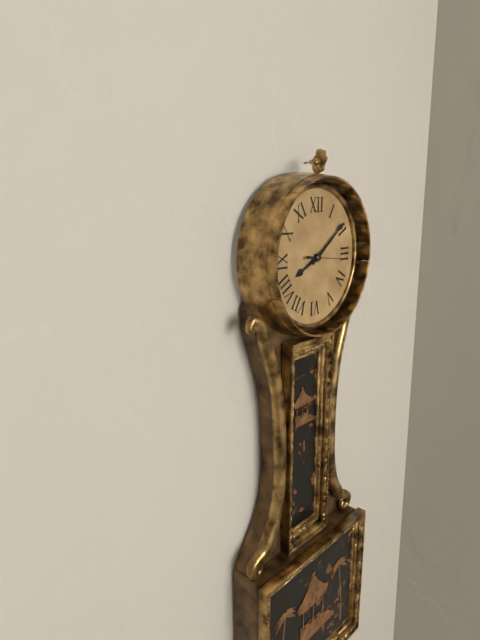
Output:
8.09
